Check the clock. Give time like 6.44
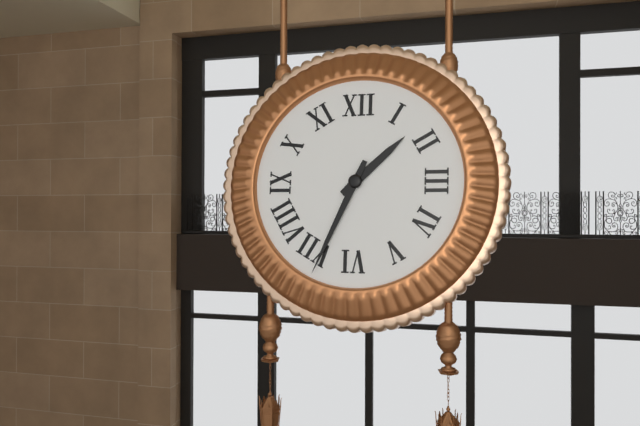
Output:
1.34
